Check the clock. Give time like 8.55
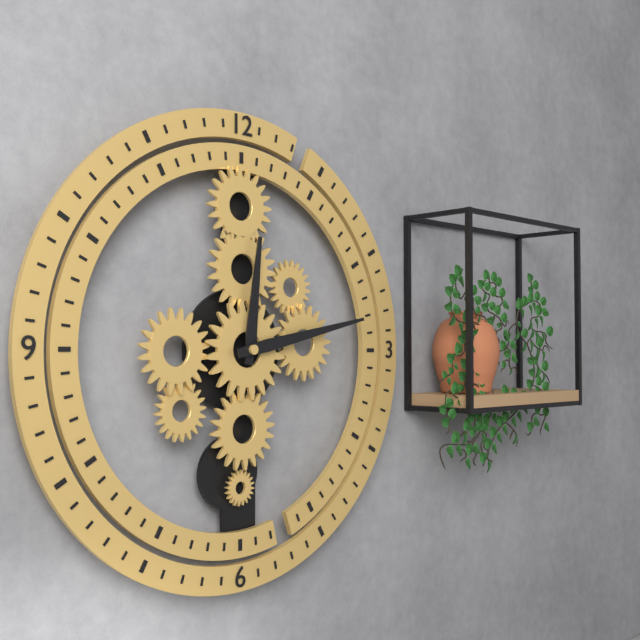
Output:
12.13
